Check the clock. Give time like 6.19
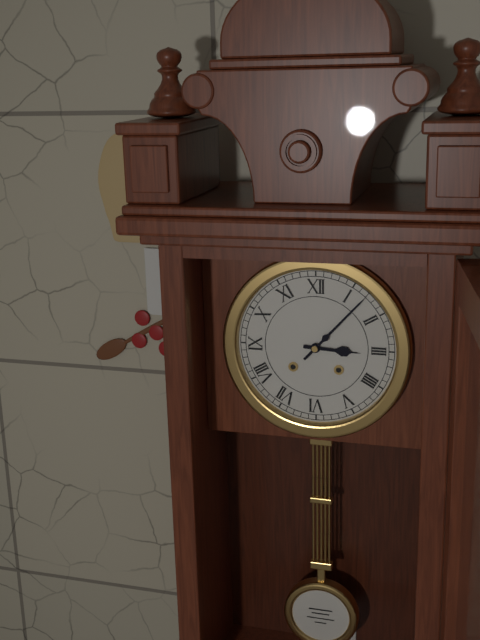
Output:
3.07
